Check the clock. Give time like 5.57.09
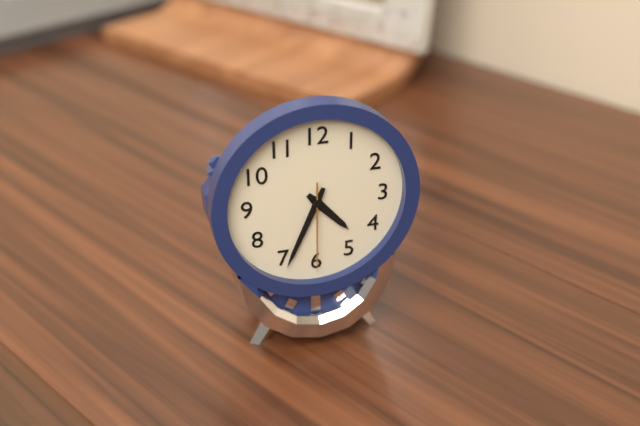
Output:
4.34.30
